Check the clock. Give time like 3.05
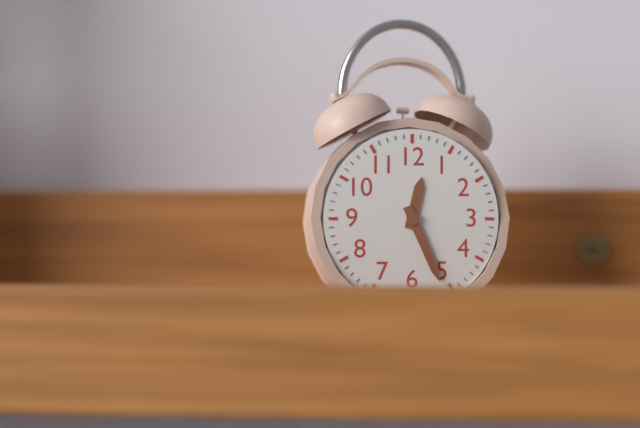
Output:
12.26
